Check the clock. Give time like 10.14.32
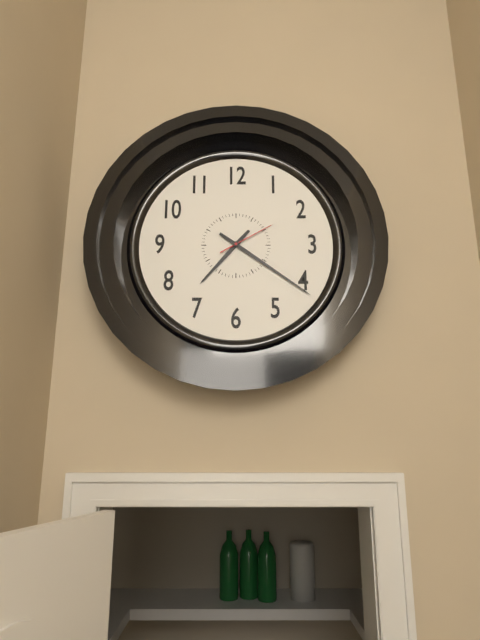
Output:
7.21.10
